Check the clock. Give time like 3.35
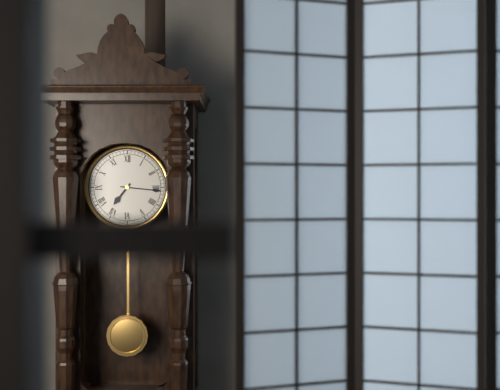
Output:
7.16
